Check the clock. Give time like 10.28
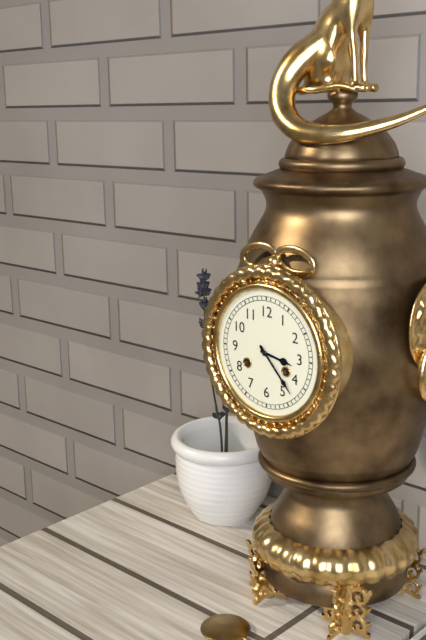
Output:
3.23
